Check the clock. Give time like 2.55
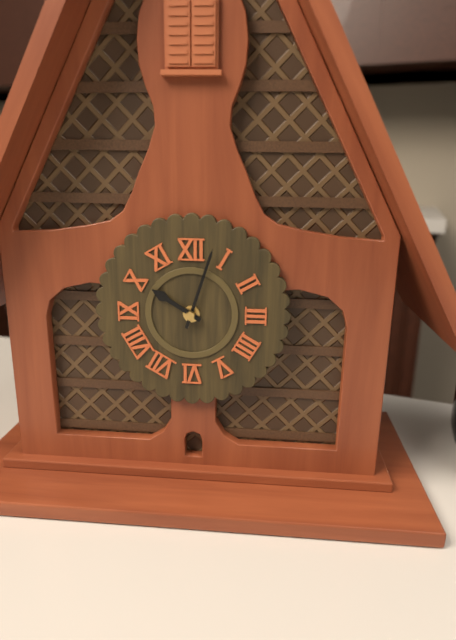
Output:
10.03
